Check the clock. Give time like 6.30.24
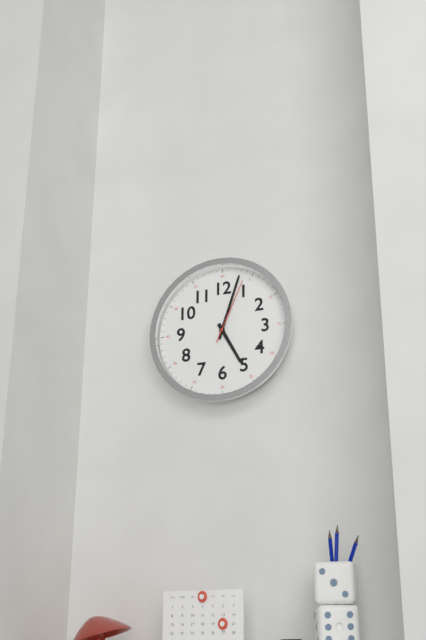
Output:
5.03.04
